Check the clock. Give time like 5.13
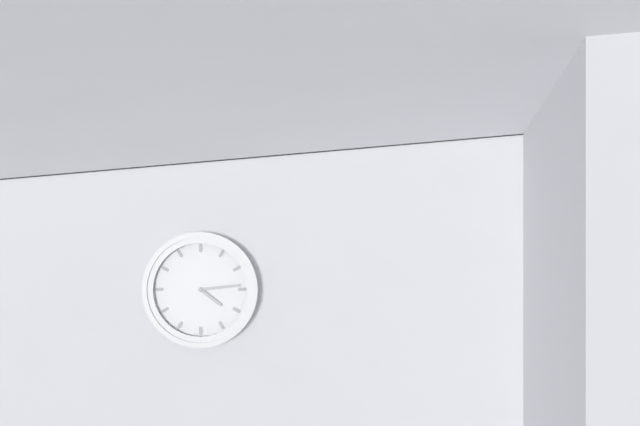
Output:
4.14
